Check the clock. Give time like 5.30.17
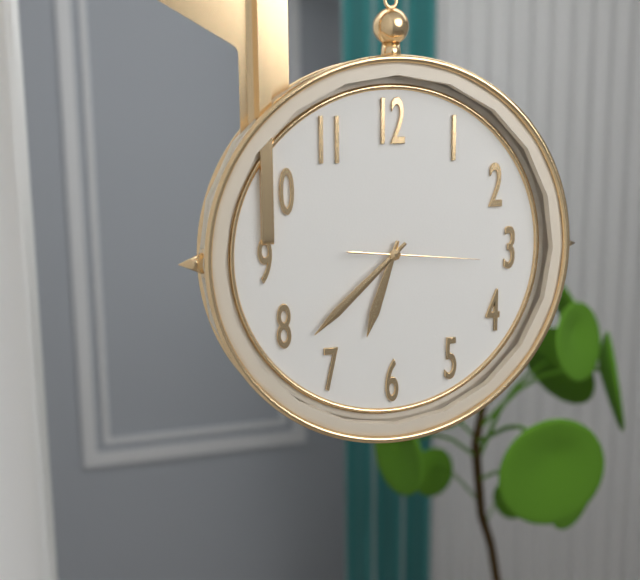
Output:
6.38.16
